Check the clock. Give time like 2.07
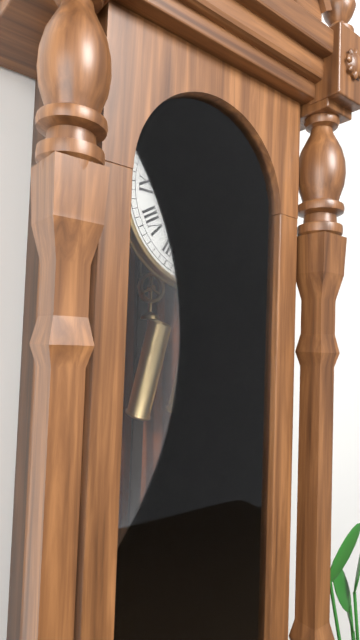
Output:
5.47
